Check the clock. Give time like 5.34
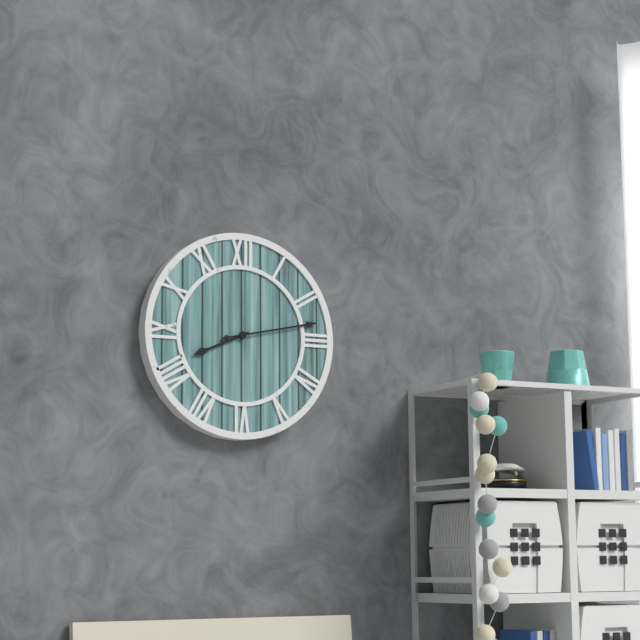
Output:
8.13
